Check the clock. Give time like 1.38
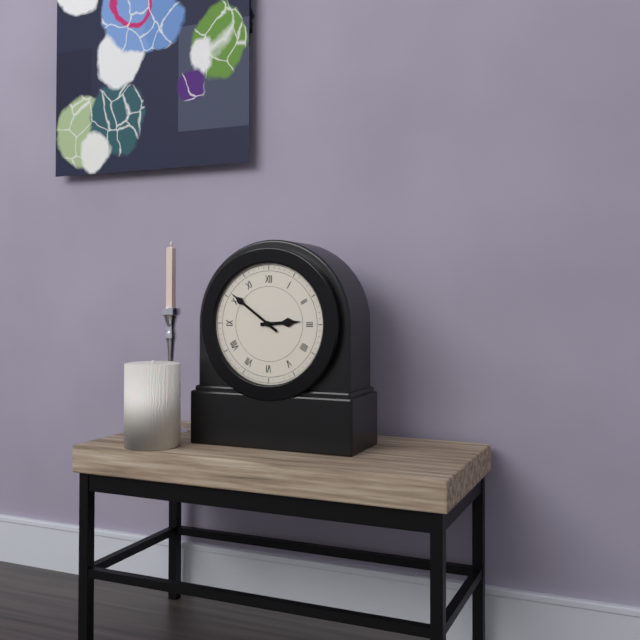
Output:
2.51
